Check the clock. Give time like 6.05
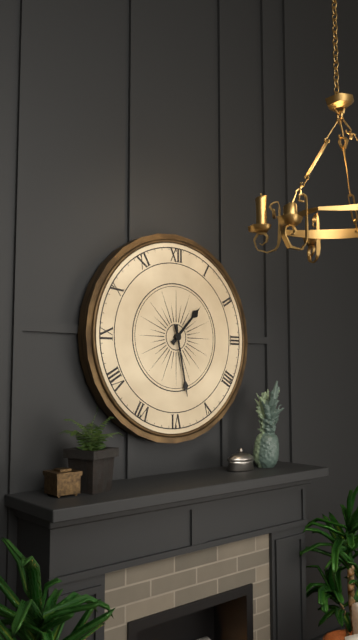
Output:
1.28
